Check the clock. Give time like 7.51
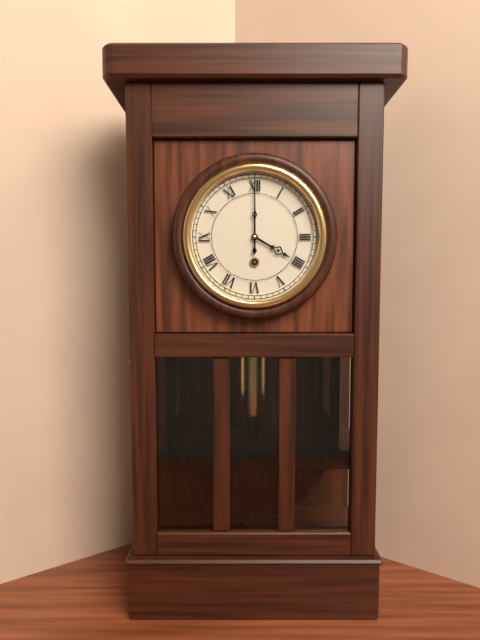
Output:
4.00
